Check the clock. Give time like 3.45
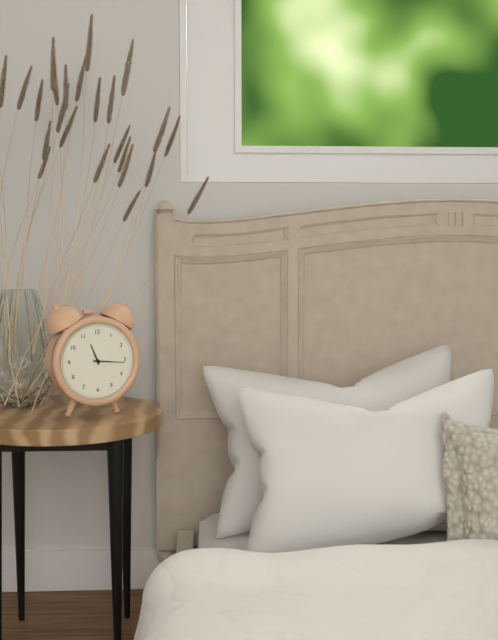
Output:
11.16
